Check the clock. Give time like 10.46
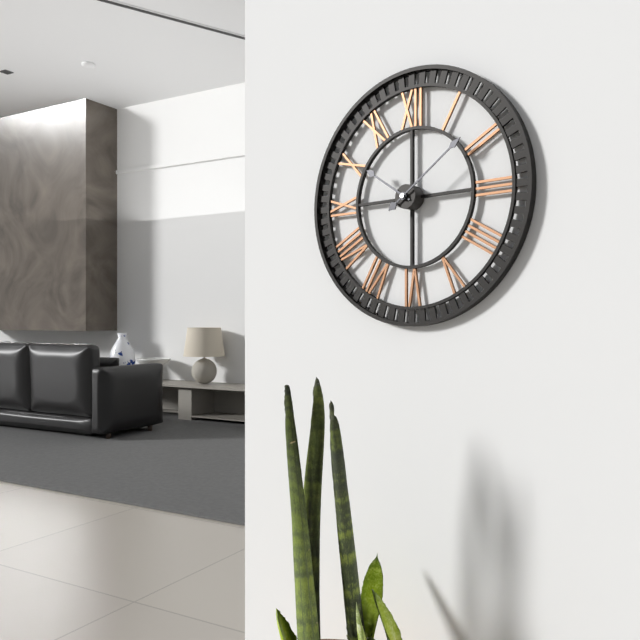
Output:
10.09
